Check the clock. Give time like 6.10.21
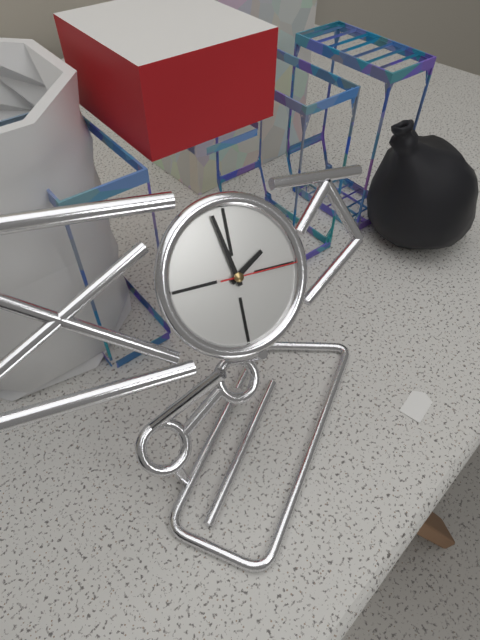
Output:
1.58.15
